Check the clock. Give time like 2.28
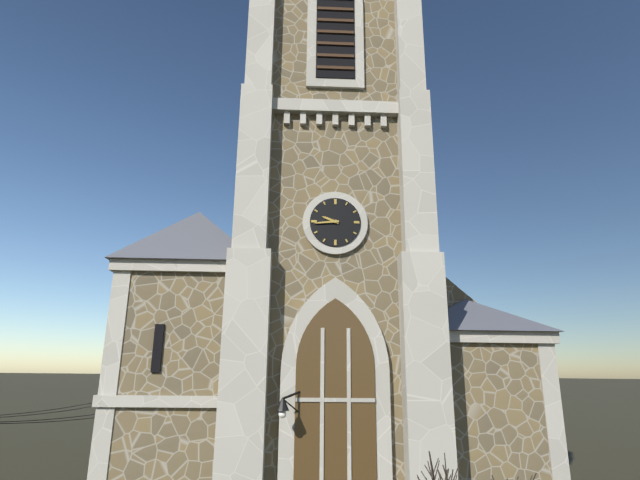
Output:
9.44
